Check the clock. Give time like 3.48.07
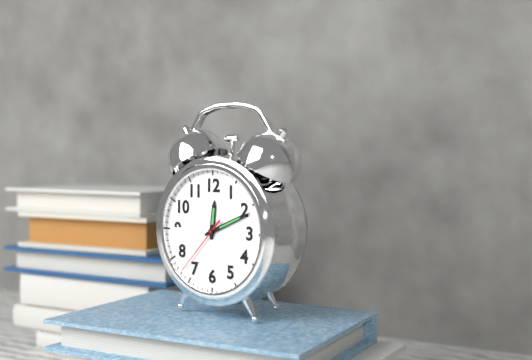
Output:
12.11.37
